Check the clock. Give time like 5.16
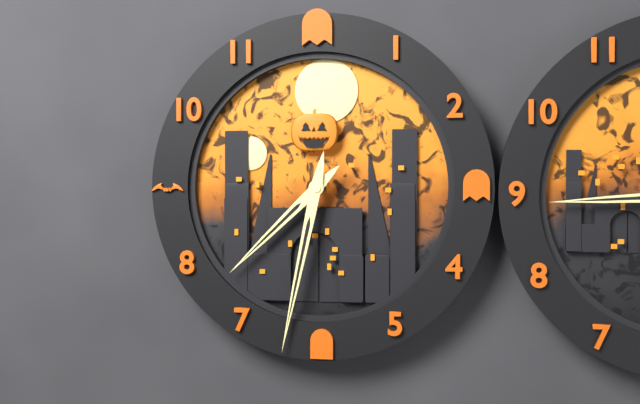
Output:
7.32
